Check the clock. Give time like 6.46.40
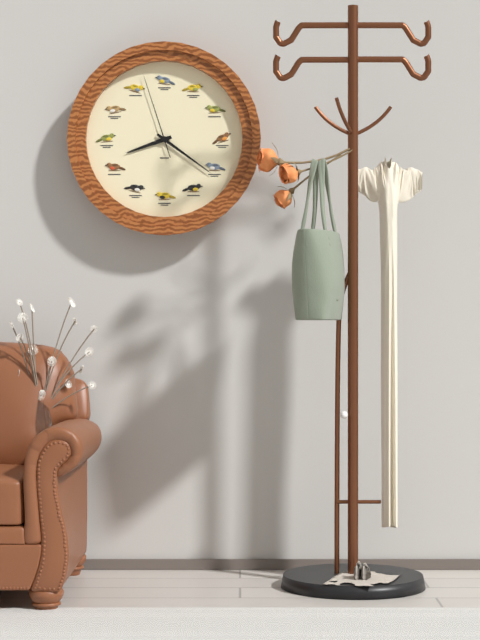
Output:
8.21.57
